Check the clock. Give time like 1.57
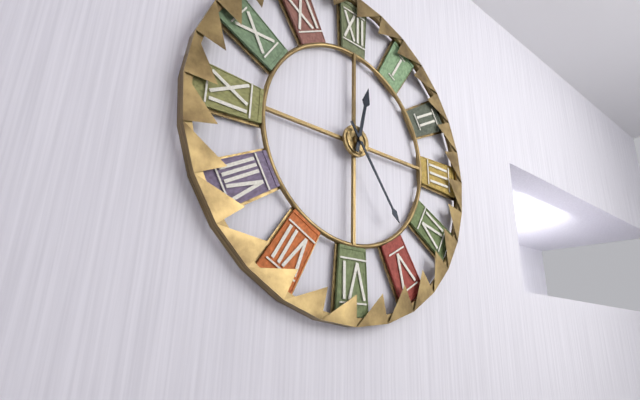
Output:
12.24
